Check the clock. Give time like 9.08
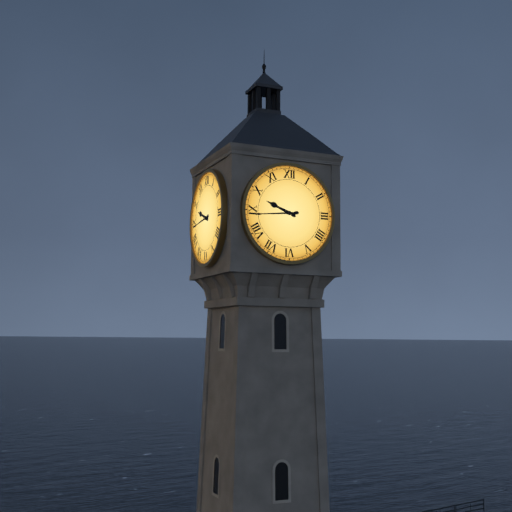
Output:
9.44
